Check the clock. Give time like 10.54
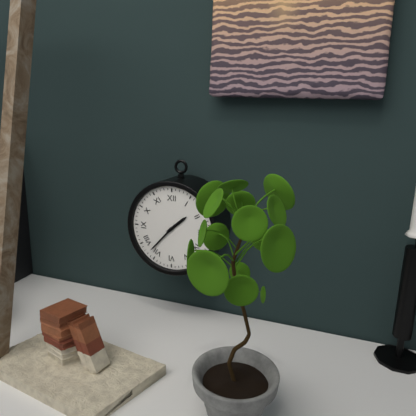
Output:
1.37
